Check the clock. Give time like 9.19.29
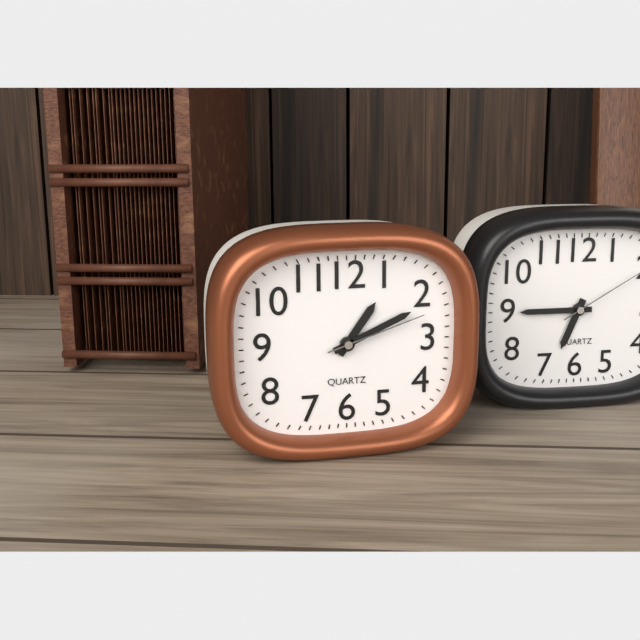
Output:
1.11.12
